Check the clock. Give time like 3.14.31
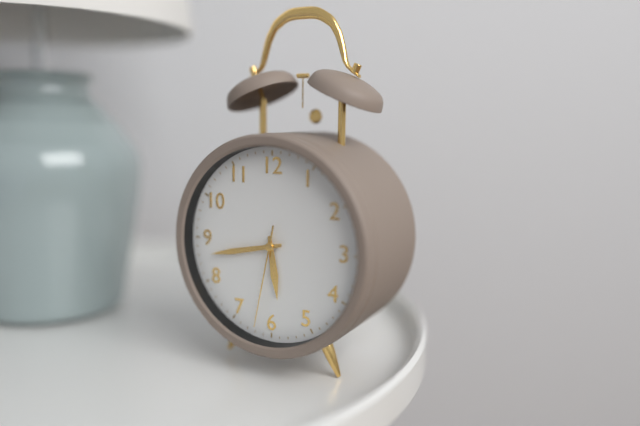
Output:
5.43.32
